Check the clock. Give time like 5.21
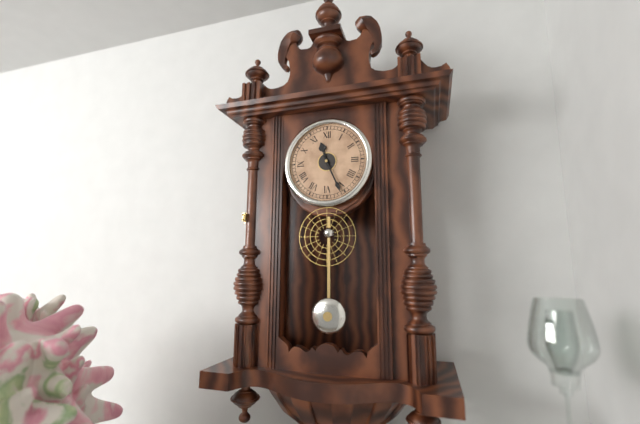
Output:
11.26
